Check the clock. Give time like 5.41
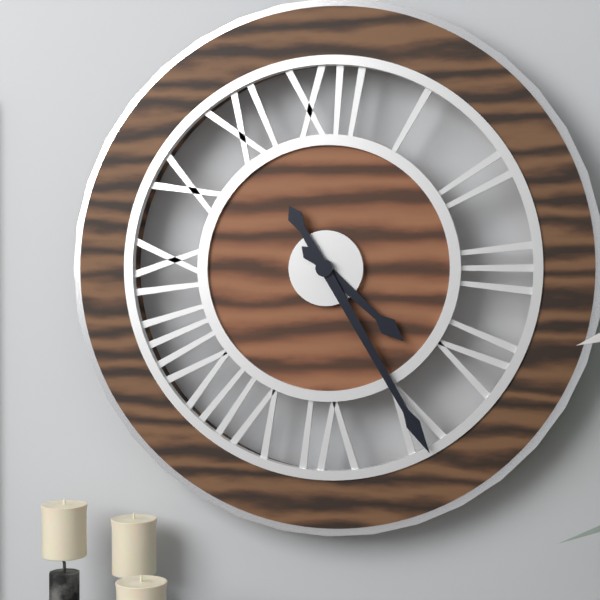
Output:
4.25
